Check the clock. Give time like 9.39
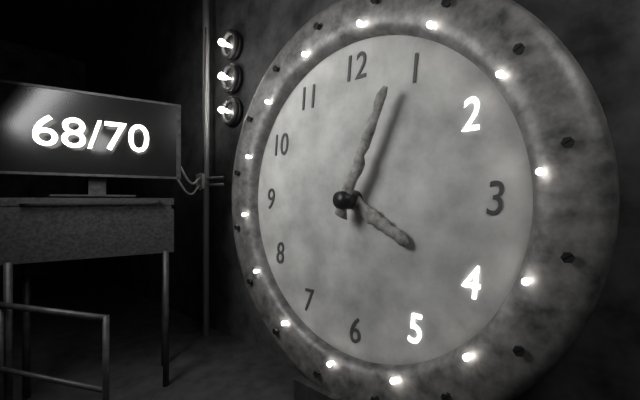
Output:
4.04
